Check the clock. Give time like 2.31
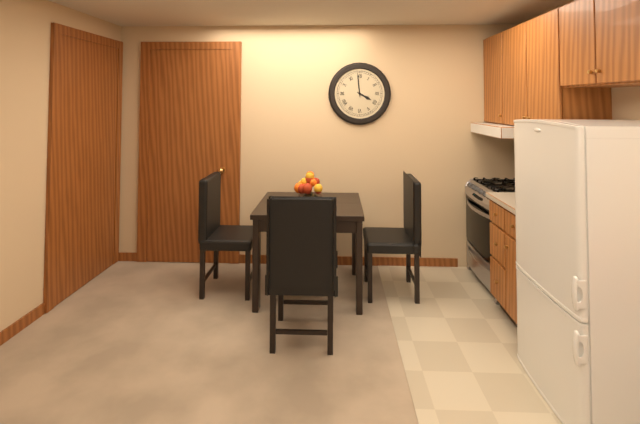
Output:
3.59
